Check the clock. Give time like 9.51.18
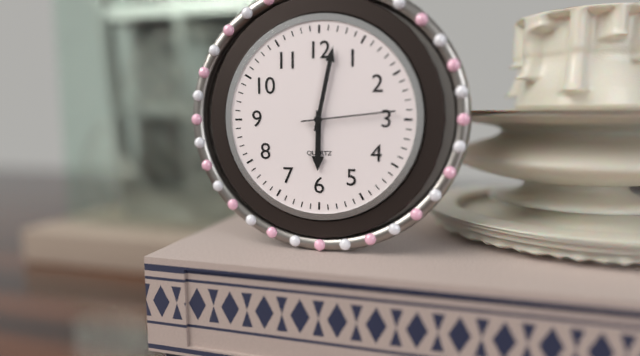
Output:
6.02.14
